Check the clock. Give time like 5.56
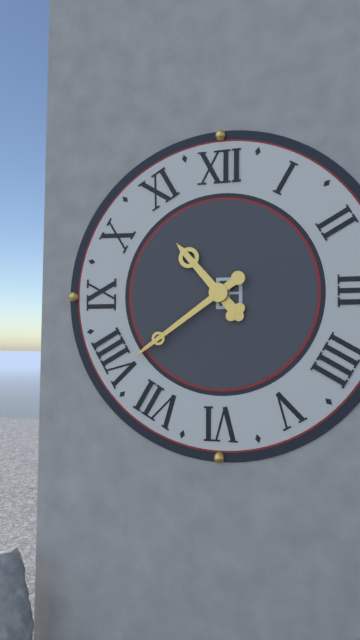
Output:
10.39
